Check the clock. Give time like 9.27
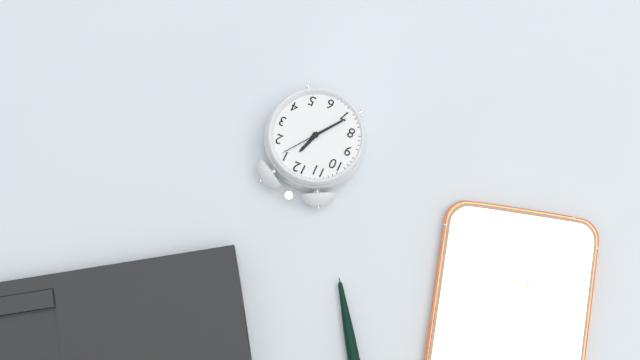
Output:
12.36
